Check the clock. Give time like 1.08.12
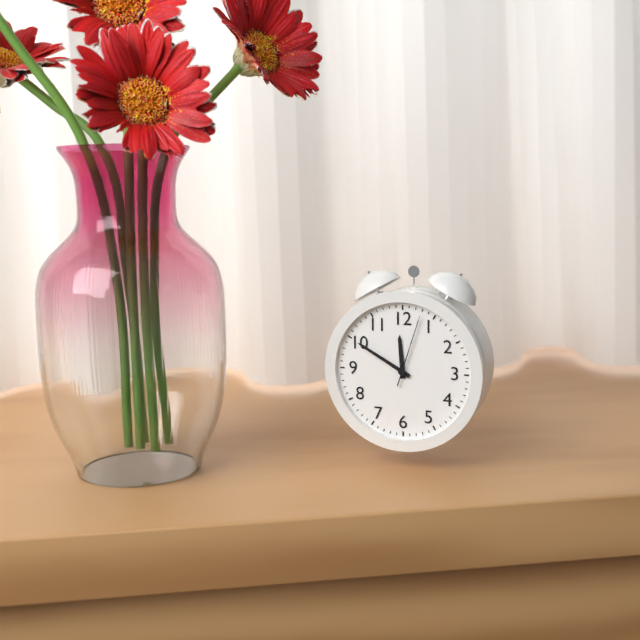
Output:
11.50.03
